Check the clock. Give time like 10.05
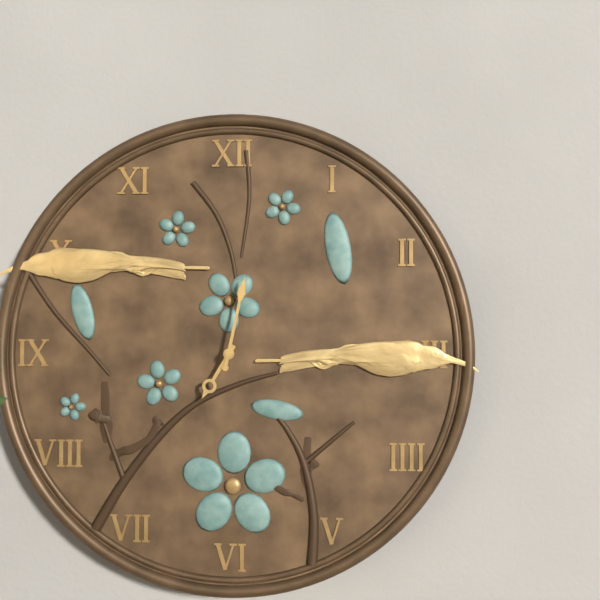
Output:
7.02
